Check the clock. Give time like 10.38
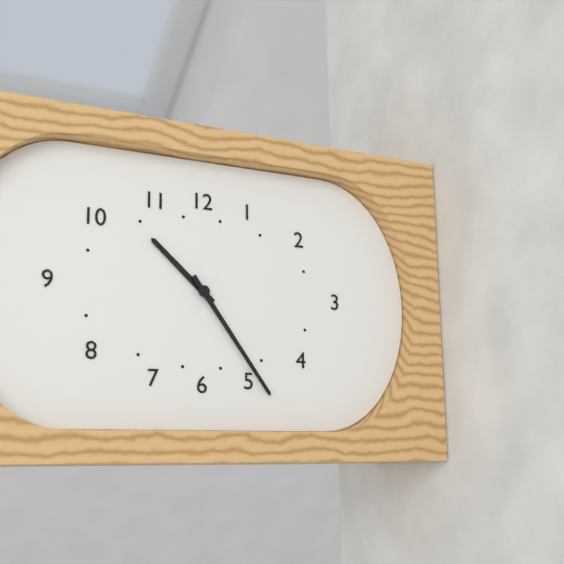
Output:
10.24
